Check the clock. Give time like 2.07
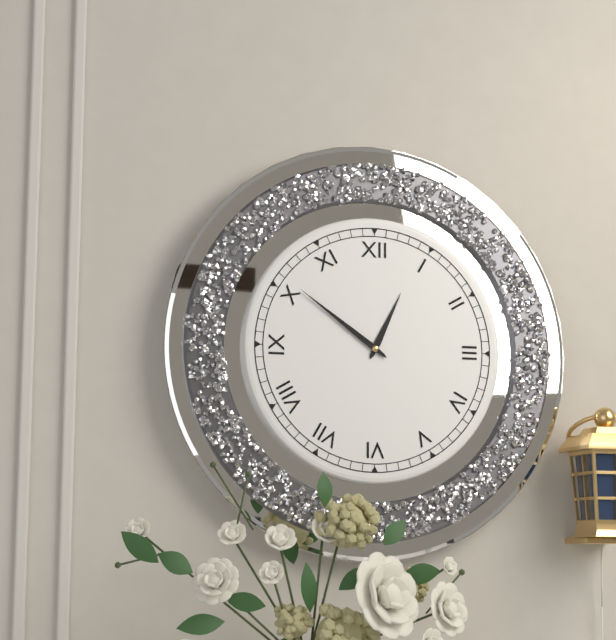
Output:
12.51
